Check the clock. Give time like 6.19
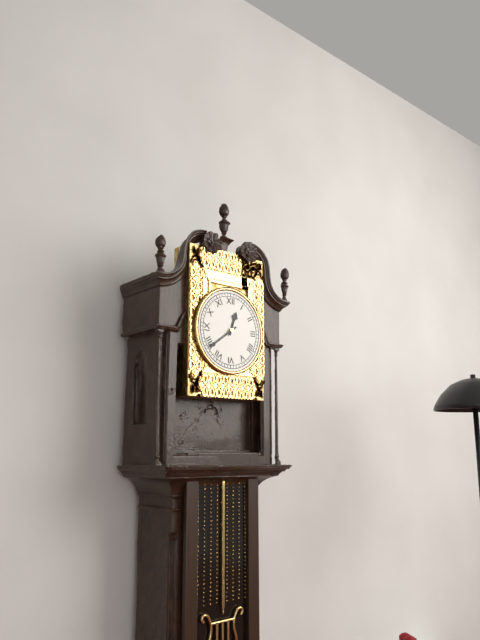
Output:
12.39
